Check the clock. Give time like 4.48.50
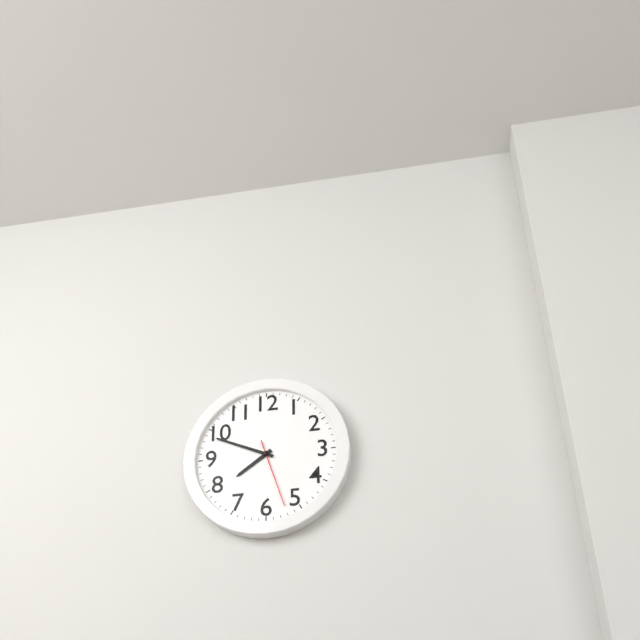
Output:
7.49.27
